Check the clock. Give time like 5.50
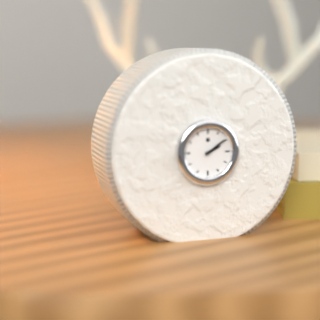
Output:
2.09
